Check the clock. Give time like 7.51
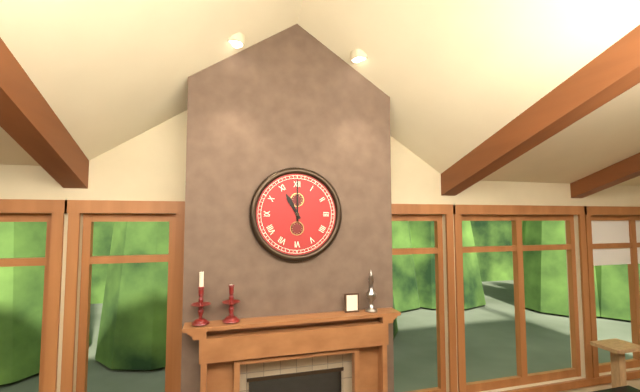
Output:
11.00
